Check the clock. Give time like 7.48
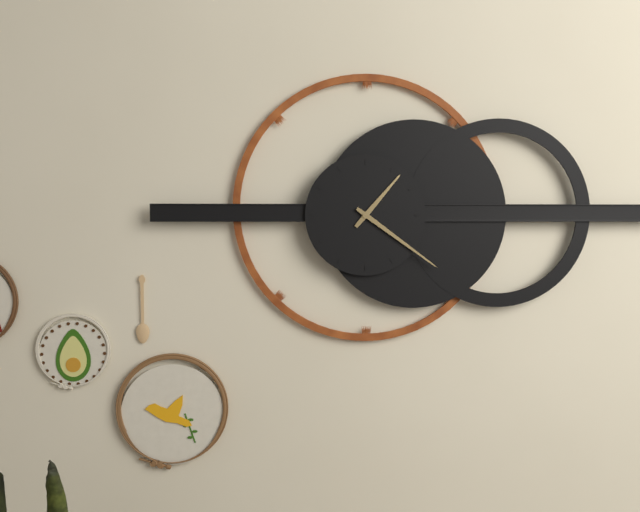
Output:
1.21
